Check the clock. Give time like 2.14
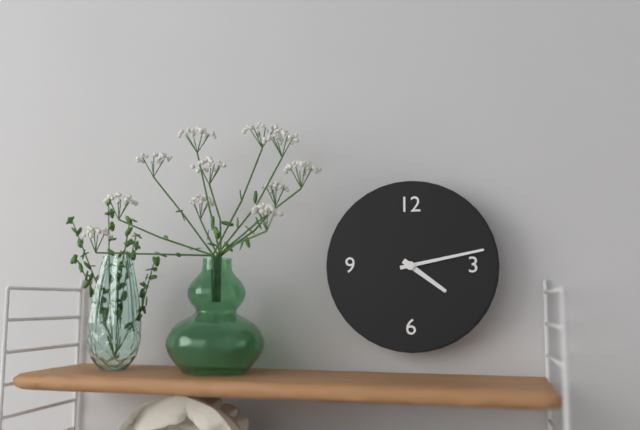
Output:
4.13
